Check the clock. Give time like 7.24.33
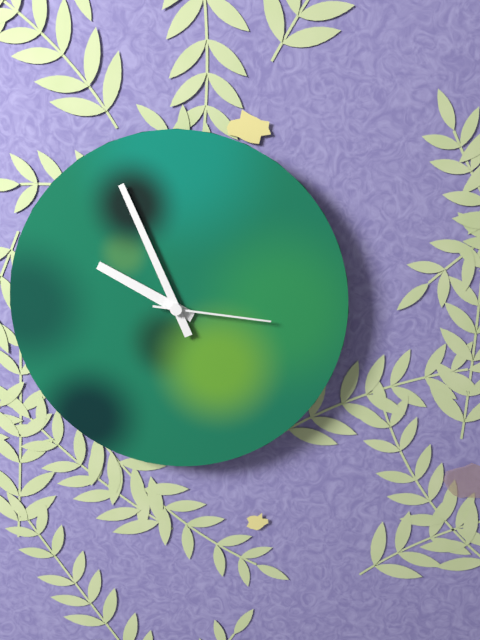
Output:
9.56.16
